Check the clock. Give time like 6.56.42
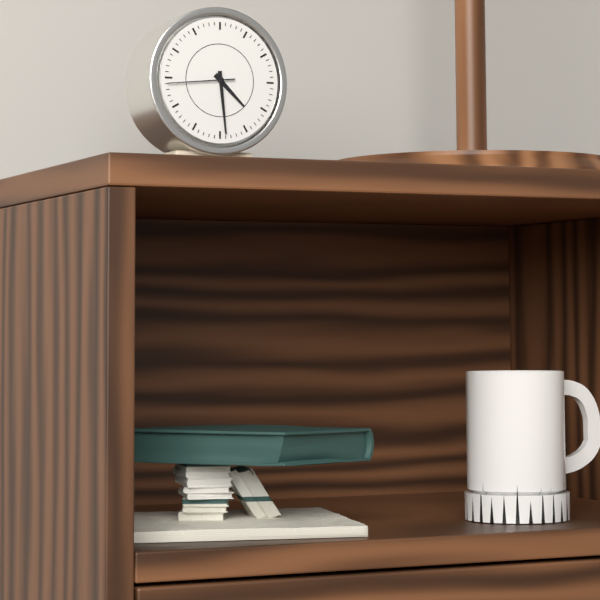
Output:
4.29.44
